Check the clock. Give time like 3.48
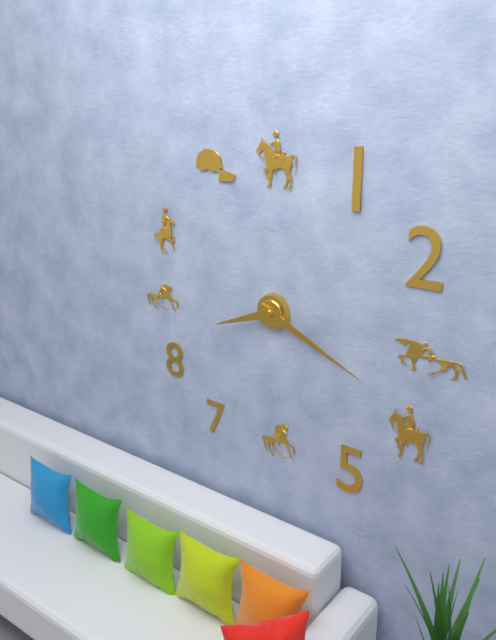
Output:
8.19
